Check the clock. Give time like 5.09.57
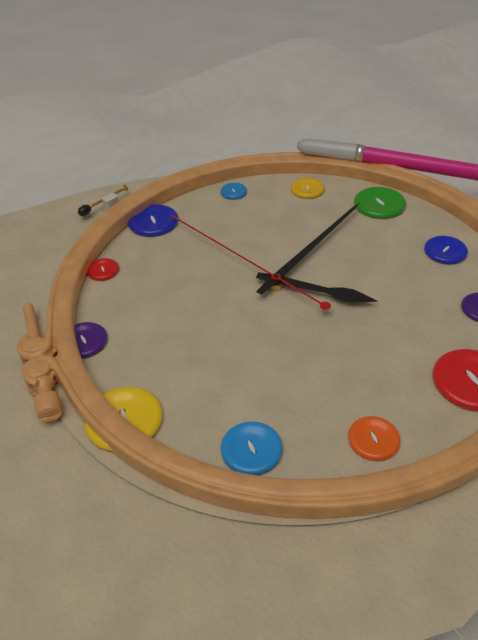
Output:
7.25.11
